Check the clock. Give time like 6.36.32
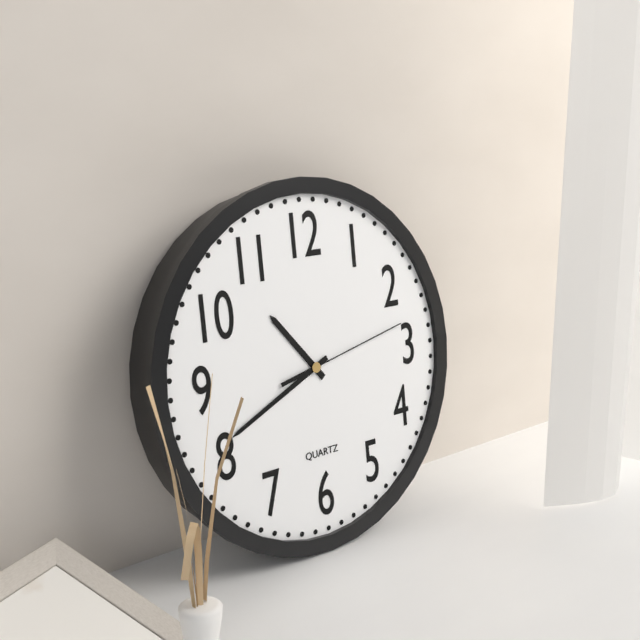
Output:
10.41.13
